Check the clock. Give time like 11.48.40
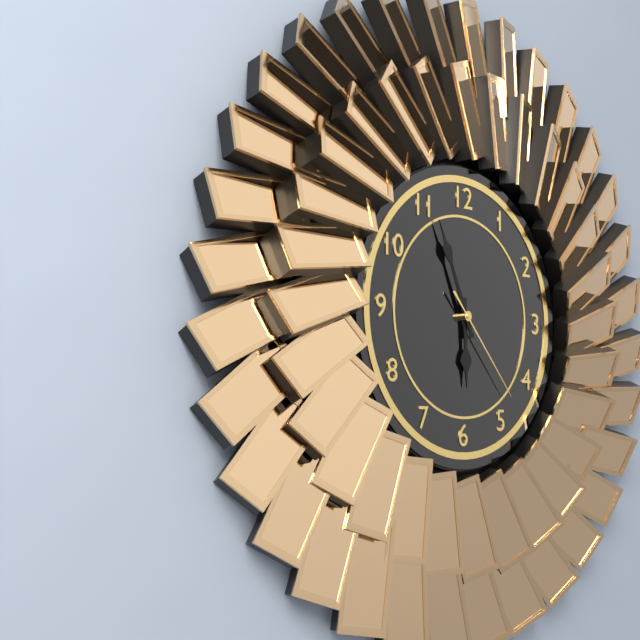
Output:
5.56.23
